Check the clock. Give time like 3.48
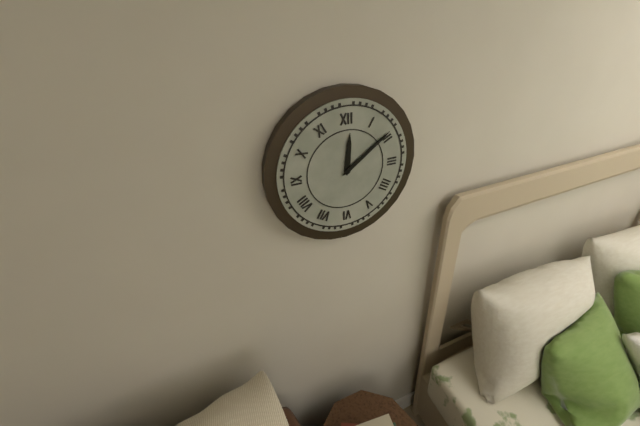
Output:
12.09
